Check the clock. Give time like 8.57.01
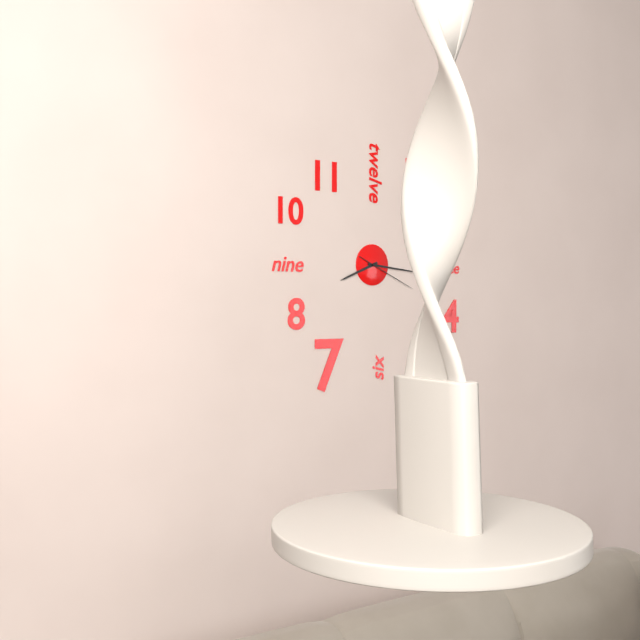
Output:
8.16.19
